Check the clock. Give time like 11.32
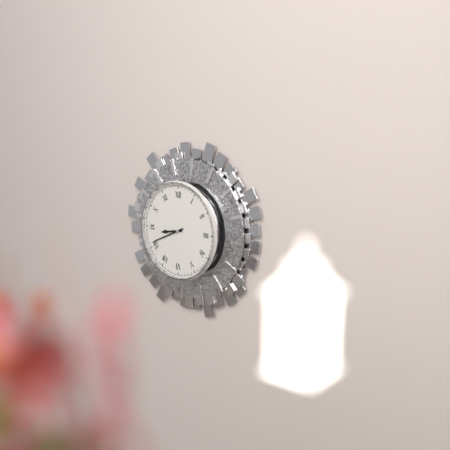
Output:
8.41
